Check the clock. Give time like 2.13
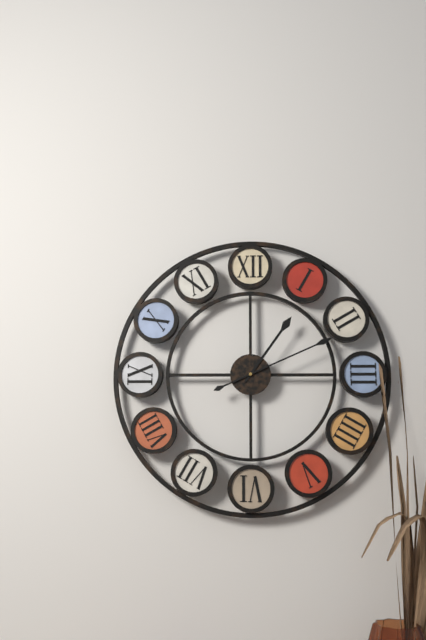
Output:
1.11
